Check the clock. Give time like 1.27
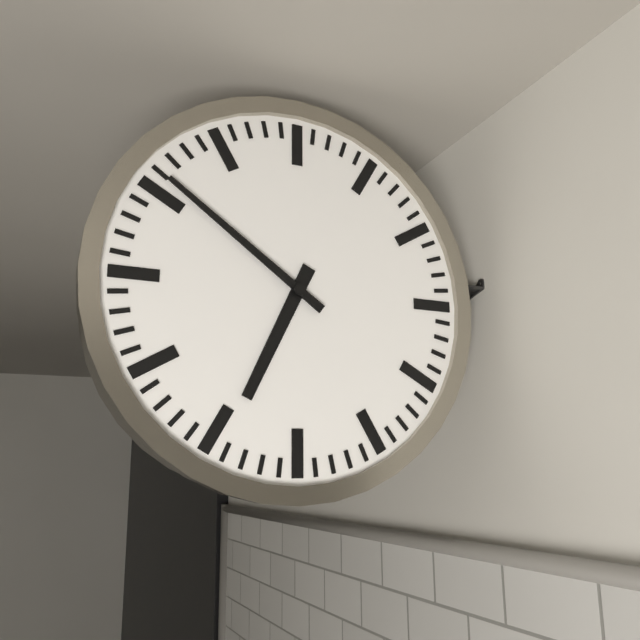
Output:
6.51
